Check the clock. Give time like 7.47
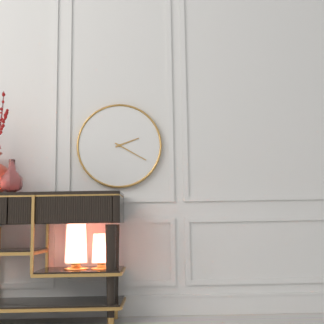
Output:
2.20
